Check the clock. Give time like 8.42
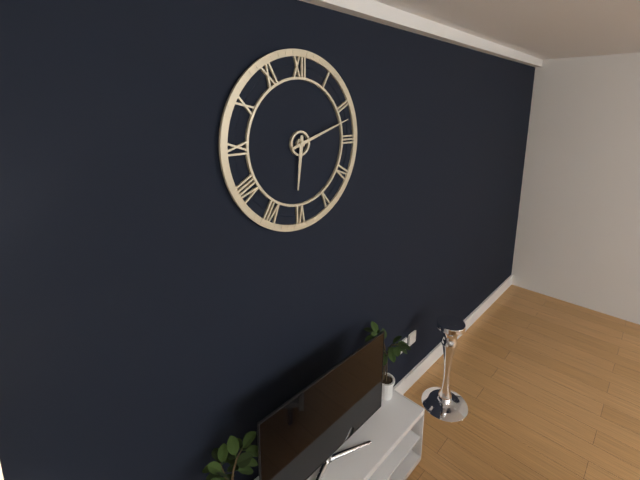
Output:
6.12
